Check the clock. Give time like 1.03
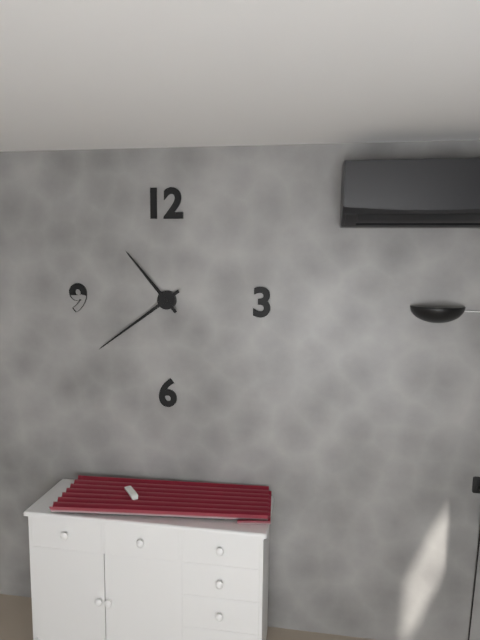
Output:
10.39
